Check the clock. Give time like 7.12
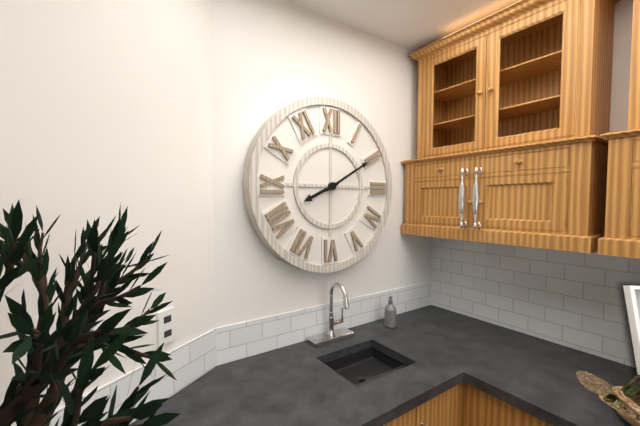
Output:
8.10
